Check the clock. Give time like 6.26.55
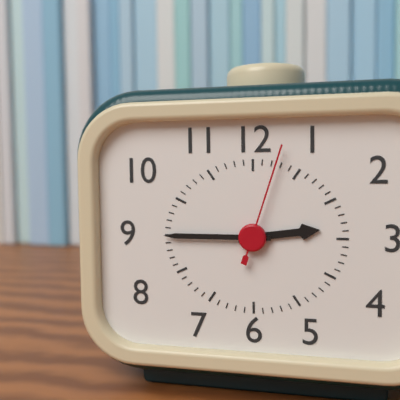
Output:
2.45.03
